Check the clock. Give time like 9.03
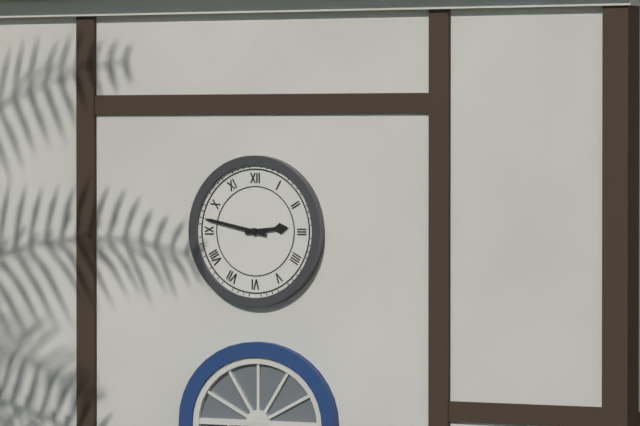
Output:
2.47
